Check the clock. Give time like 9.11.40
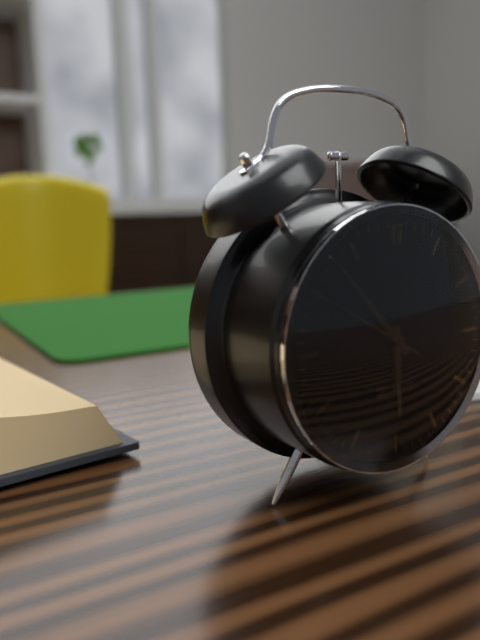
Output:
5.53.50
